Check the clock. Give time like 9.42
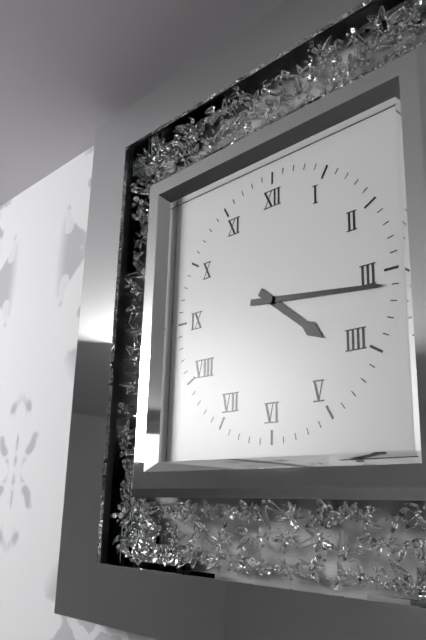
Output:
4.16
